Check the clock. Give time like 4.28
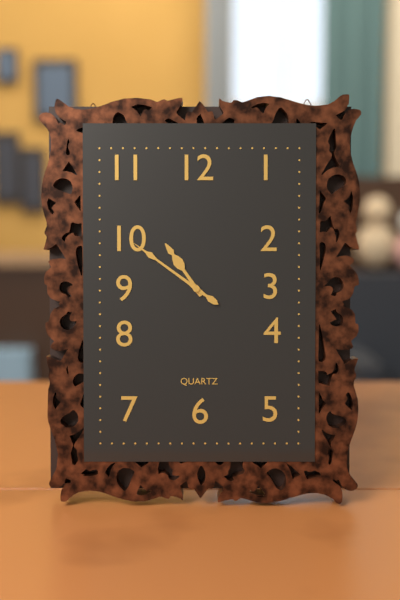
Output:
10.51
